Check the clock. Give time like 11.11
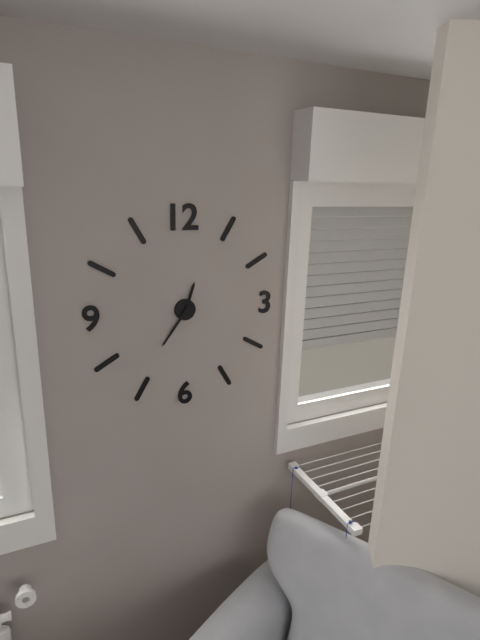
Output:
12.36
